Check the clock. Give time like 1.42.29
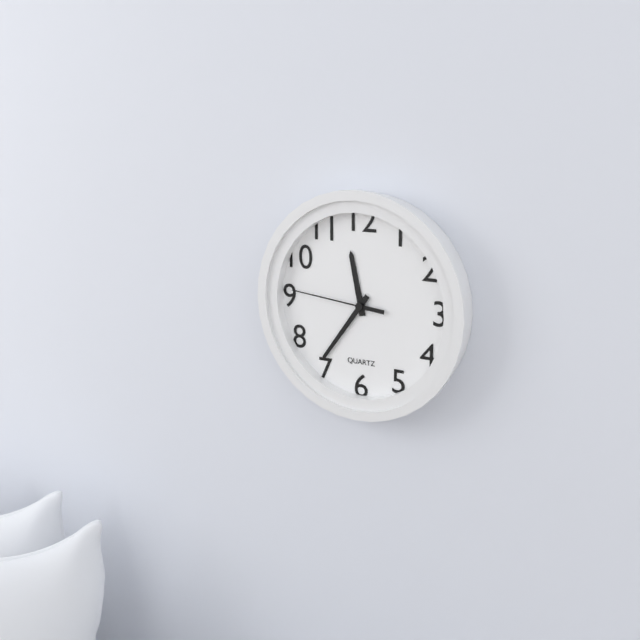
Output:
11.36.46
